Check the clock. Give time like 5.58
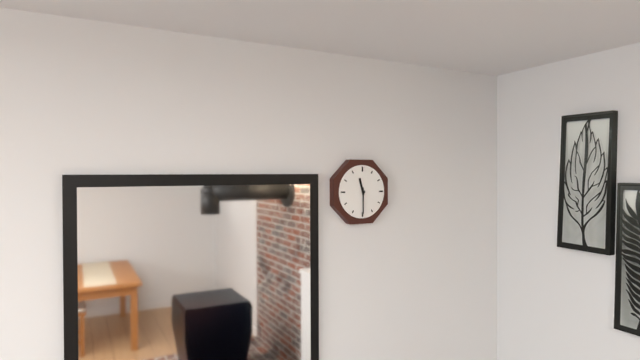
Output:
11.30
